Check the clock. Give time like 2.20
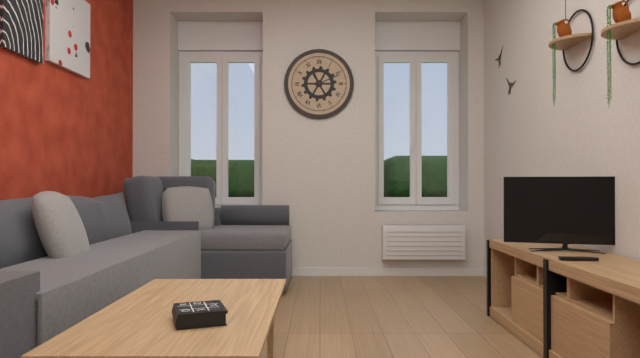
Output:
11.11
